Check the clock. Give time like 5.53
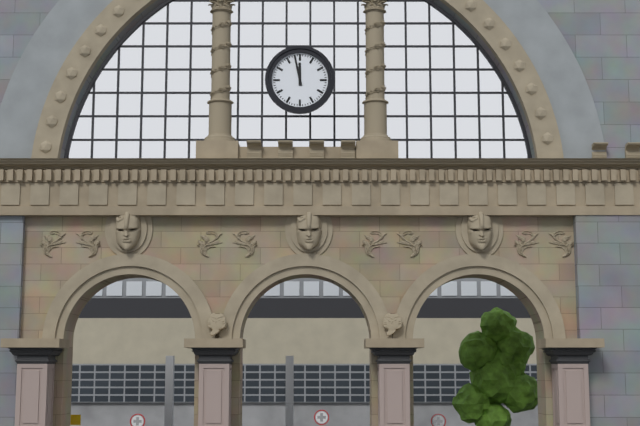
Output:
11.58
